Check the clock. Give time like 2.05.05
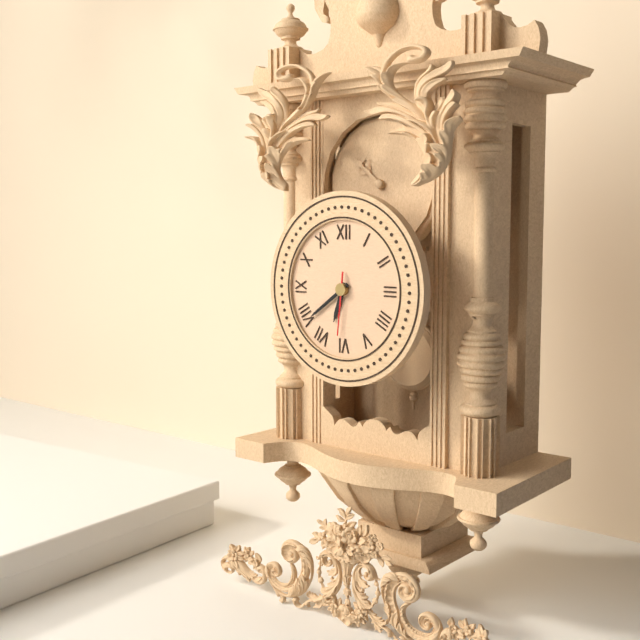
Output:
6.39.31
